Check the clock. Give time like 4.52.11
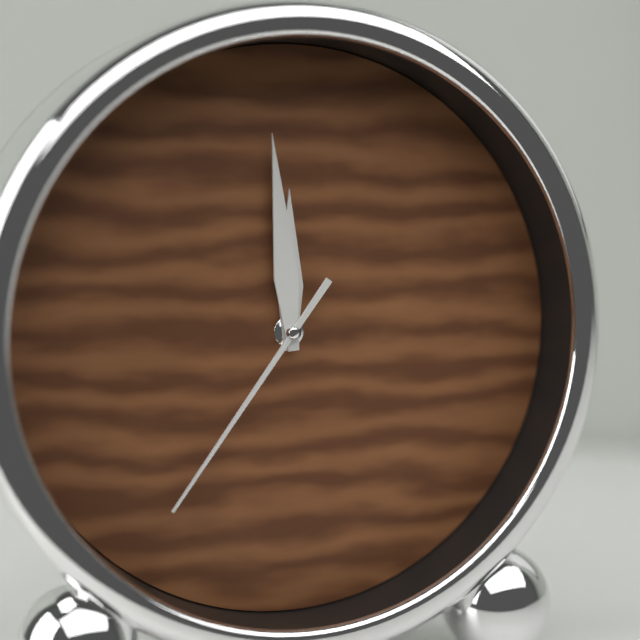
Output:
11.59.36
